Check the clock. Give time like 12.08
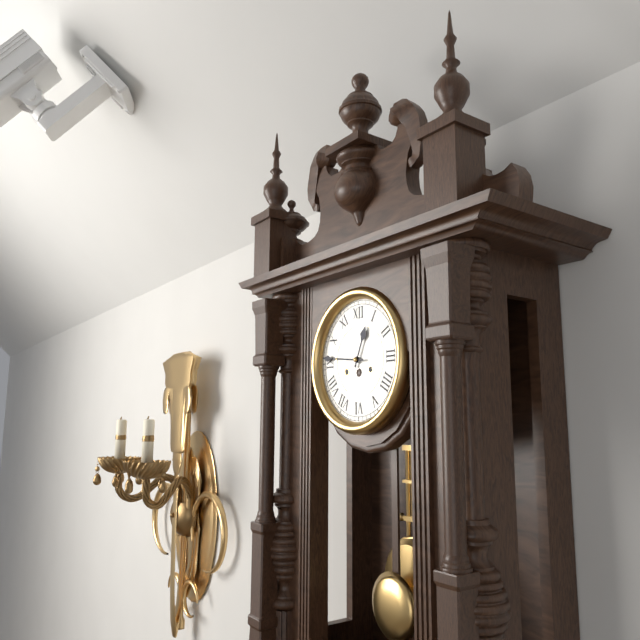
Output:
12.46
